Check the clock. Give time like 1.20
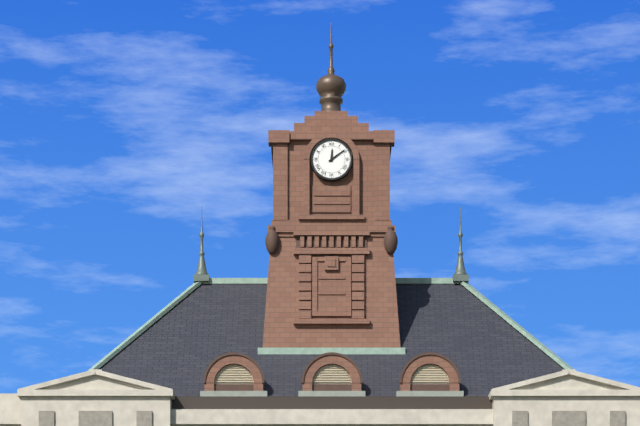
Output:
12.09
